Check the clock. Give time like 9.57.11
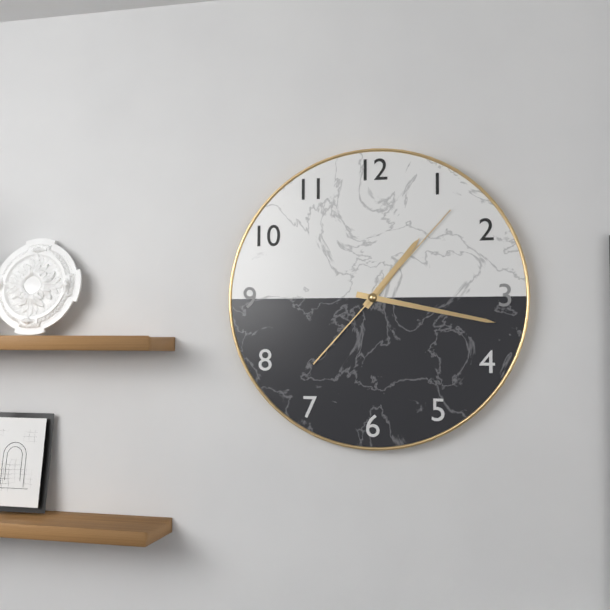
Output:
1.17.07
